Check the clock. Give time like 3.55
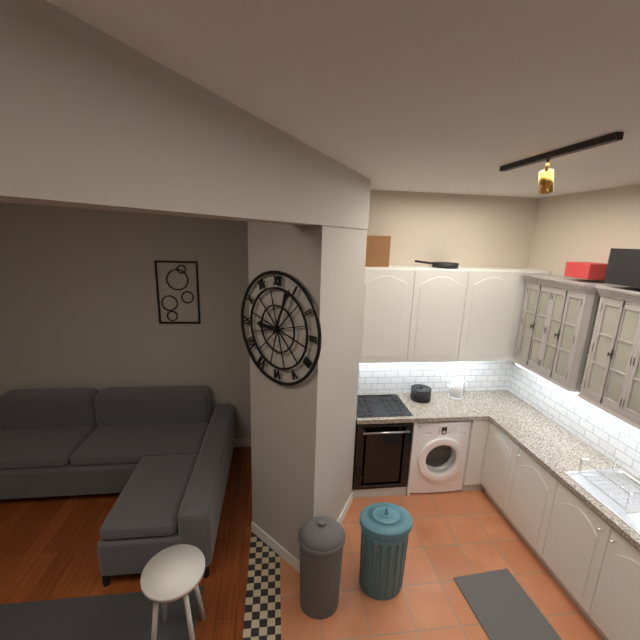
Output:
9.04
